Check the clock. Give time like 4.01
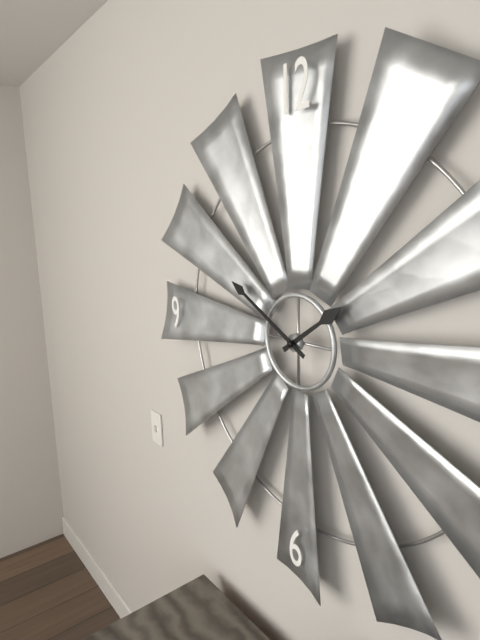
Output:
1.50
